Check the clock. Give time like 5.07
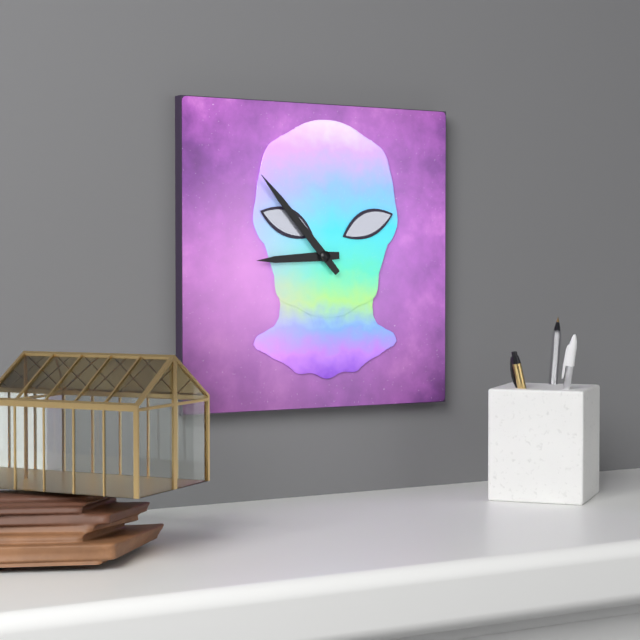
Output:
8.53
